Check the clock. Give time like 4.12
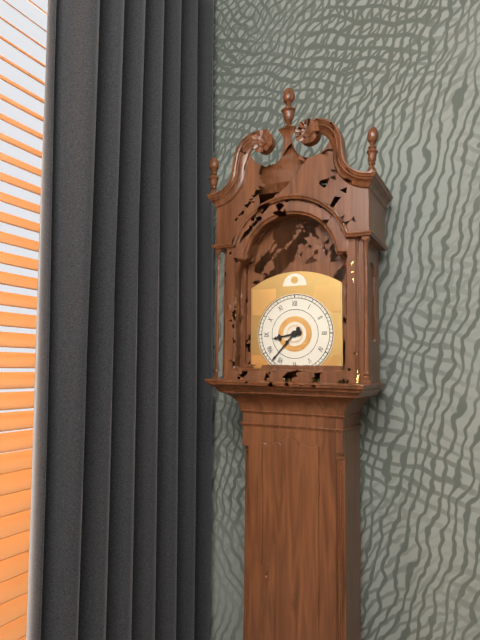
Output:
8.37
